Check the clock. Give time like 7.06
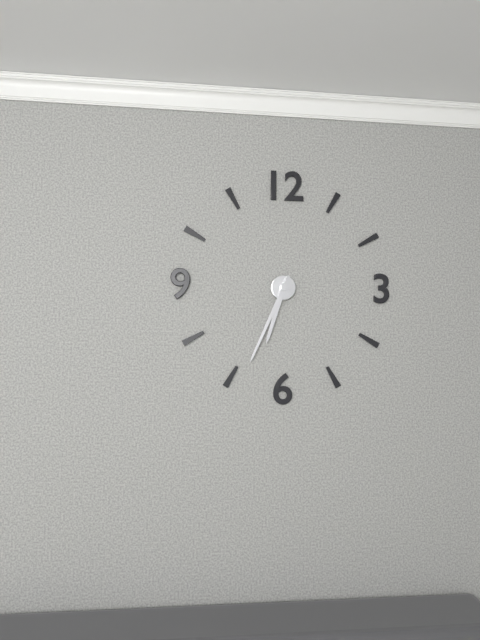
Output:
6.34
